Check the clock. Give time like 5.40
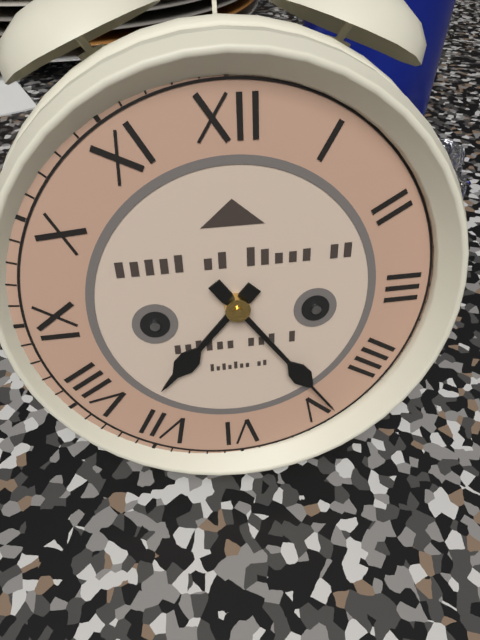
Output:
7.24
